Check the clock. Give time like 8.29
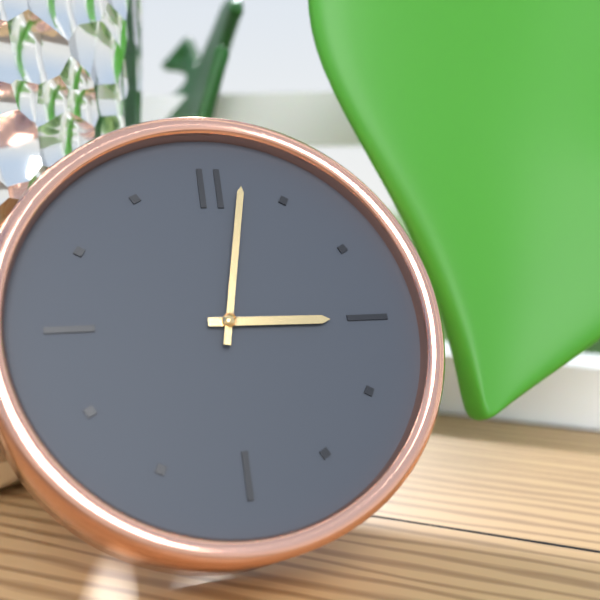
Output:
3.02
